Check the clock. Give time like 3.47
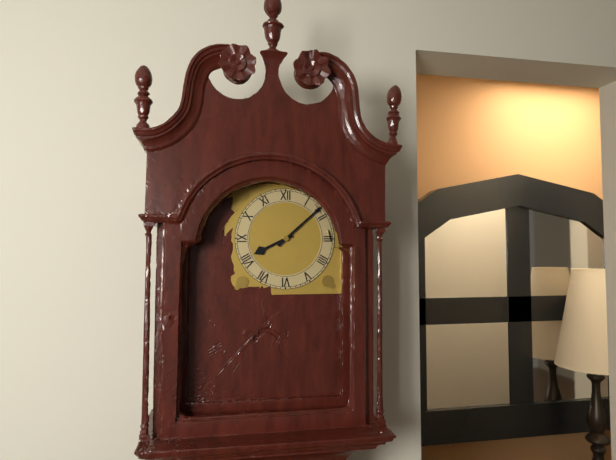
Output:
8.08
